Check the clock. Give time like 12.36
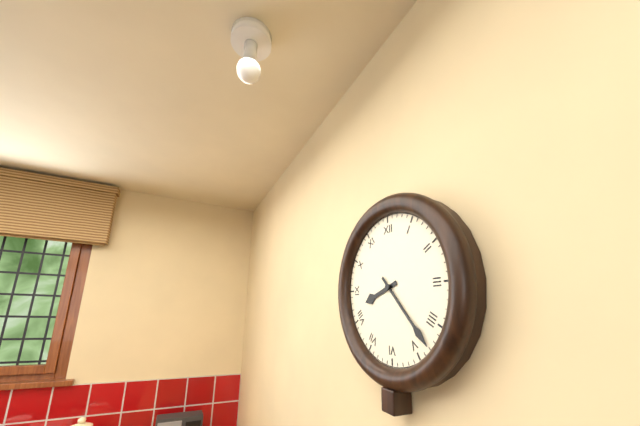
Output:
8.23
